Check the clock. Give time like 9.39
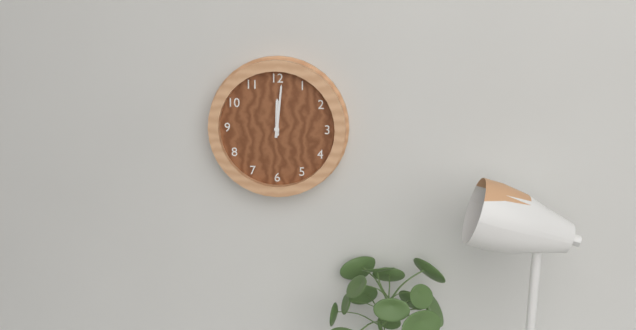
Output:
12.01
